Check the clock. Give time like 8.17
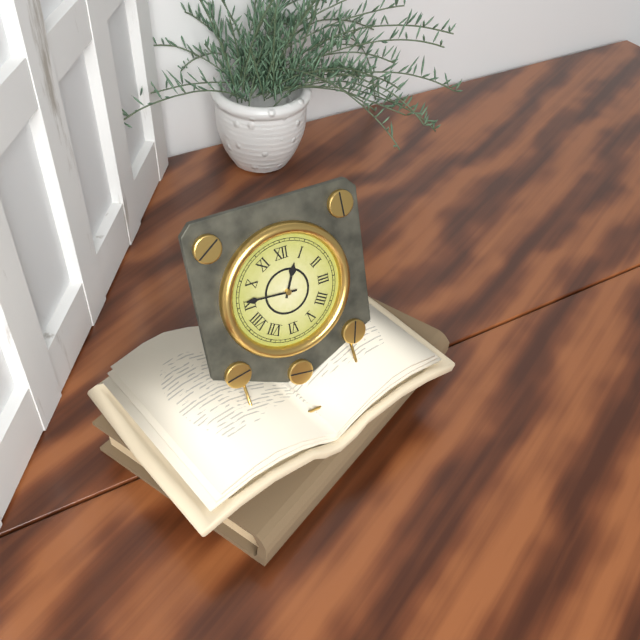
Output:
12.46
